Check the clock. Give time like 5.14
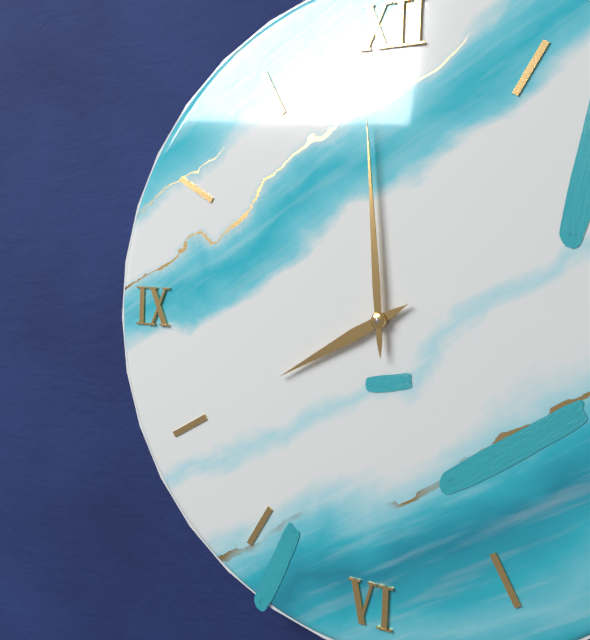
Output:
7.59
